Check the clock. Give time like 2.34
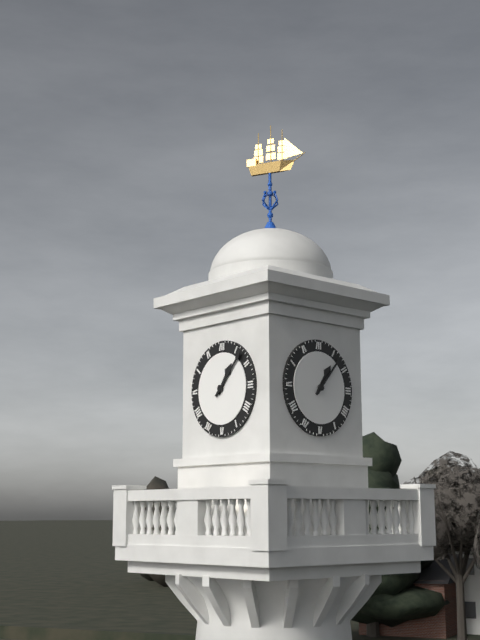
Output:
1.07
